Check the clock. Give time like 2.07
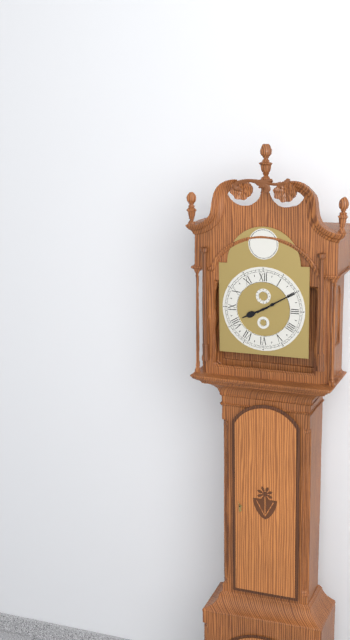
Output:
8.10
